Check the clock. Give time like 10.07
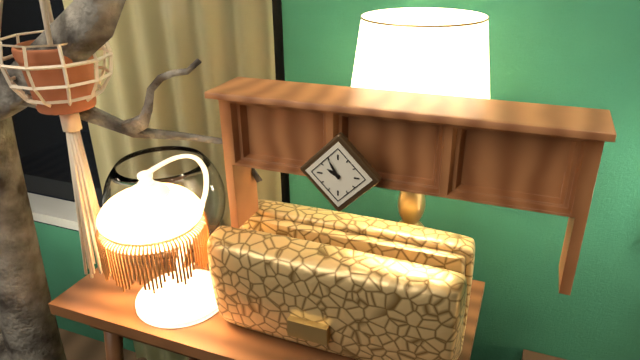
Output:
9.55
